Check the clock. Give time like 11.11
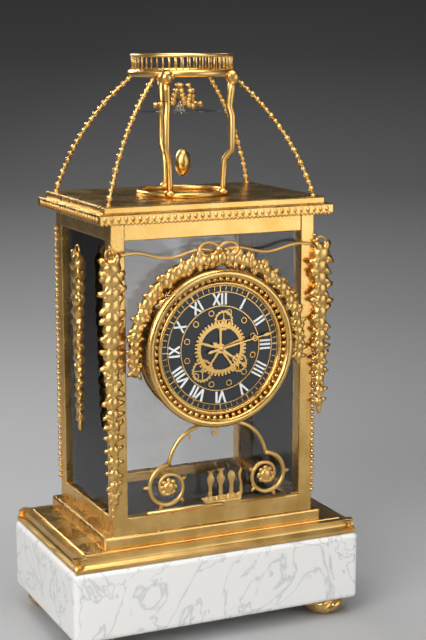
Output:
4.13
